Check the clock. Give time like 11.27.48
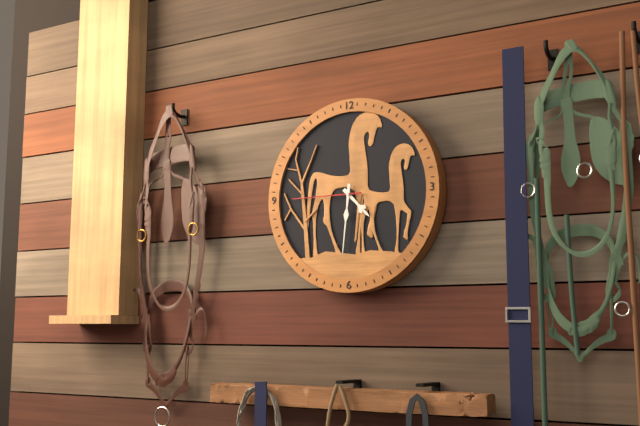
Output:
4.31.45
